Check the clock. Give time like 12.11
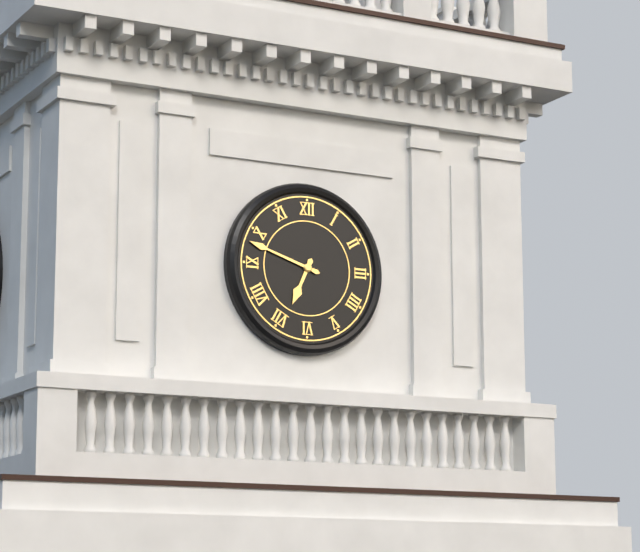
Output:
6.48
